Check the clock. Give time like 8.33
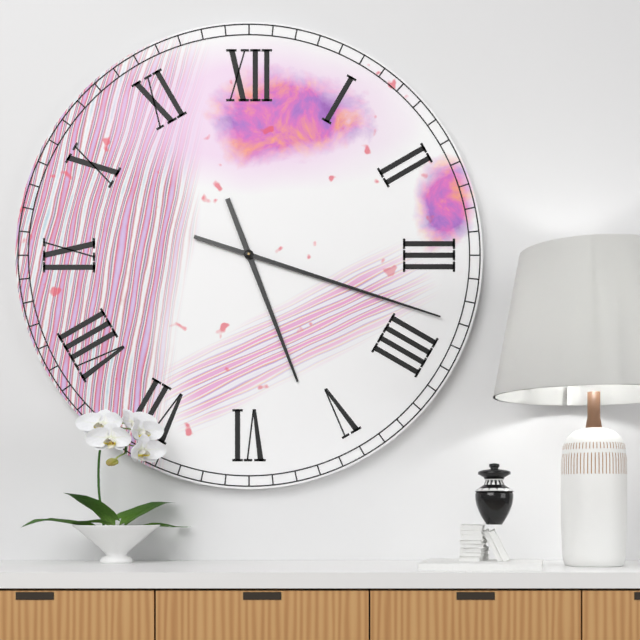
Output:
5.18
